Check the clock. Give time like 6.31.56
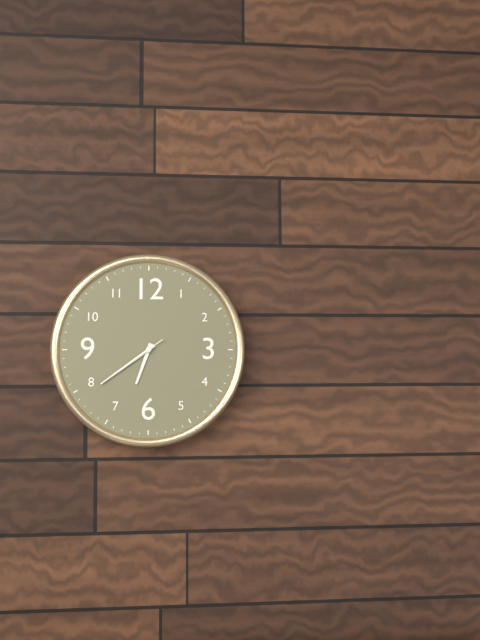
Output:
6.39.39
